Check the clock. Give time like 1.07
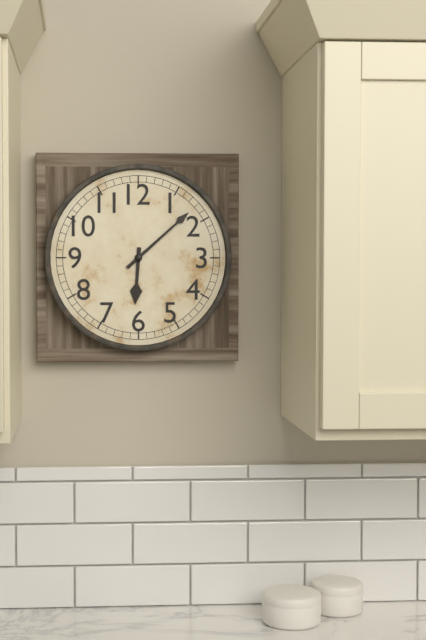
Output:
6.08
